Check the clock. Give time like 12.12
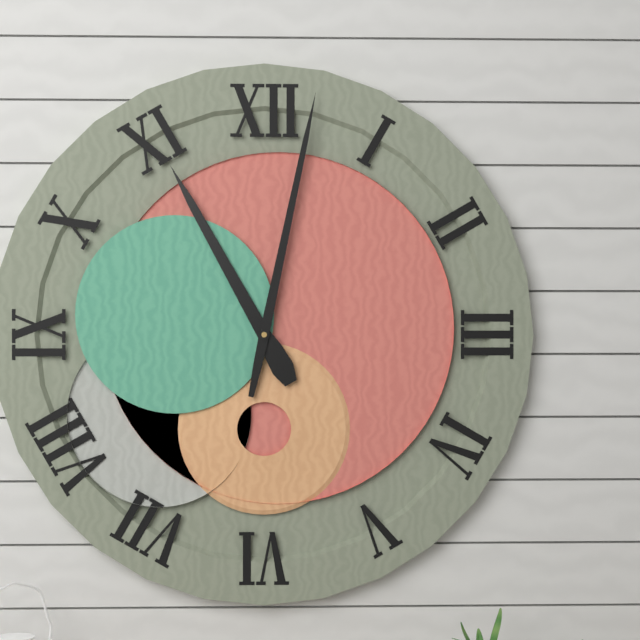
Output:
11.02
